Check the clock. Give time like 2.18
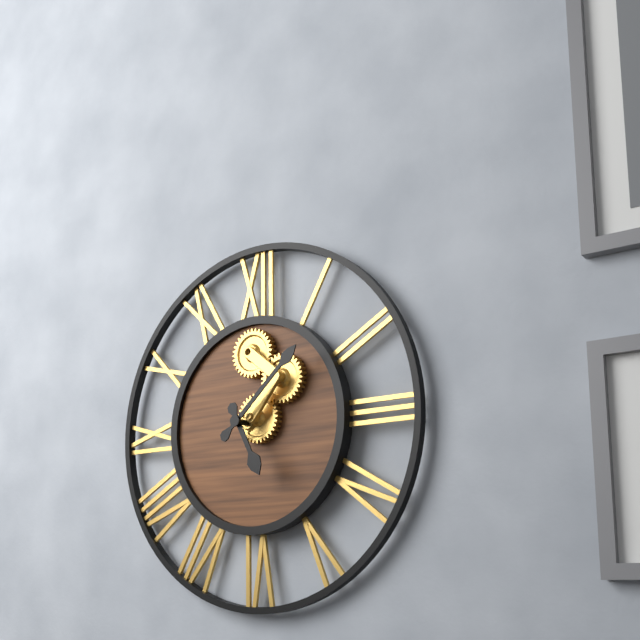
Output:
5.08
